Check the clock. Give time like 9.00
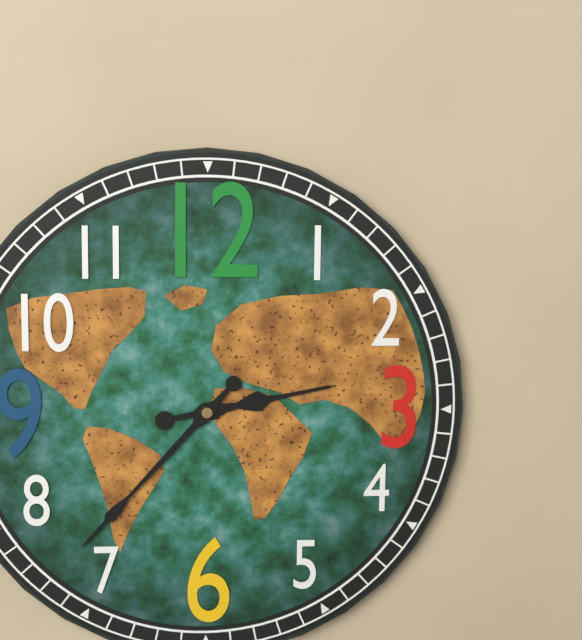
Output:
2.37
